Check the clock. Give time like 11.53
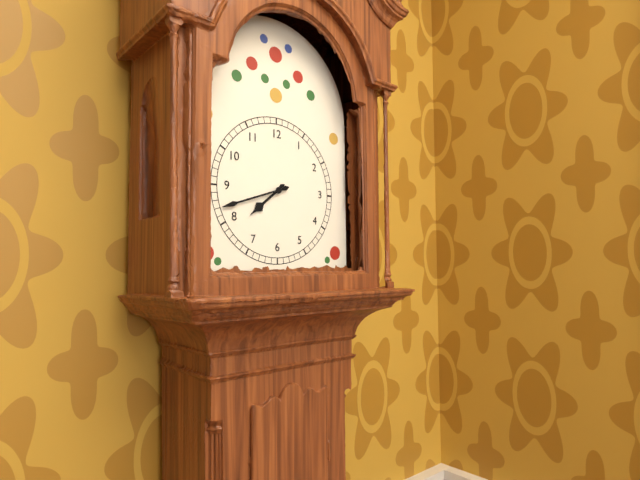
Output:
7.42
